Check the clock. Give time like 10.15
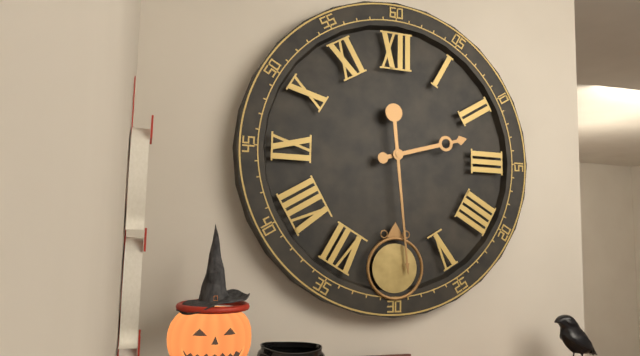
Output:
2.29
